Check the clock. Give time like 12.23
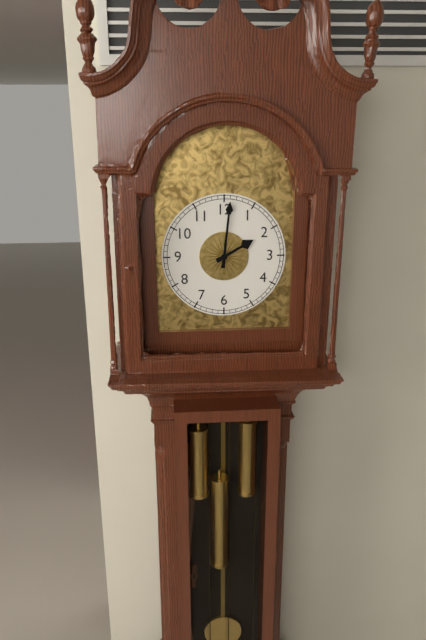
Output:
2.01
